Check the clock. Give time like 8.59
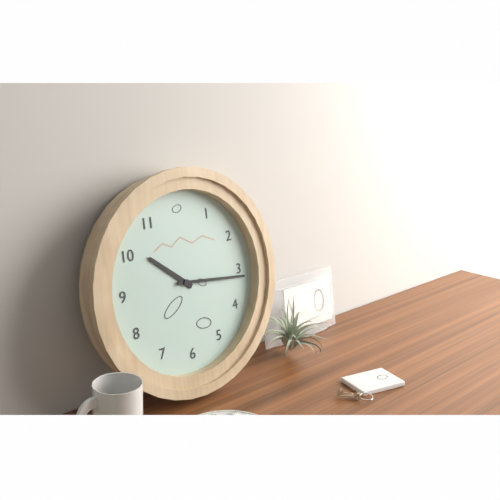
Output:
10.16
